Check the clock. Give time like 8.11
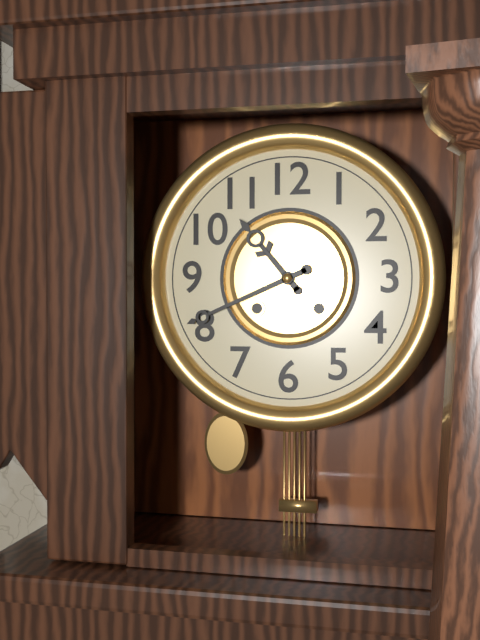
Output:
10.41
